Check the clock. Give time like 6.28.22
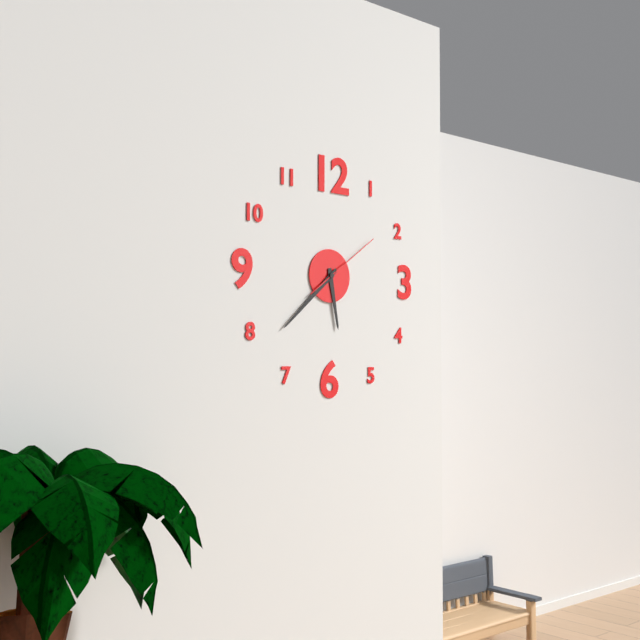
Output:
5.38.09
